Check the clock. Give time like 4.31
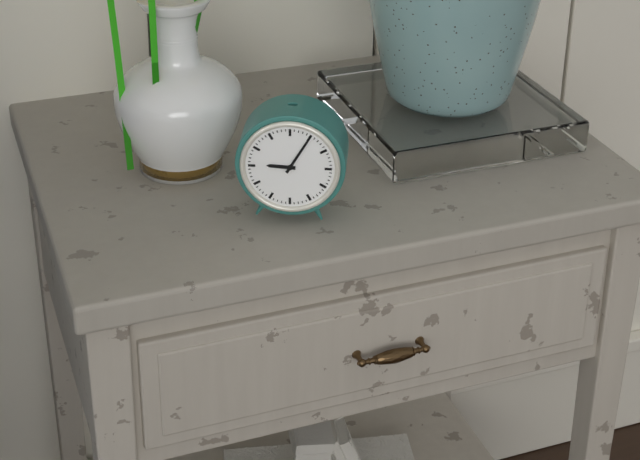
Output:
9.05
